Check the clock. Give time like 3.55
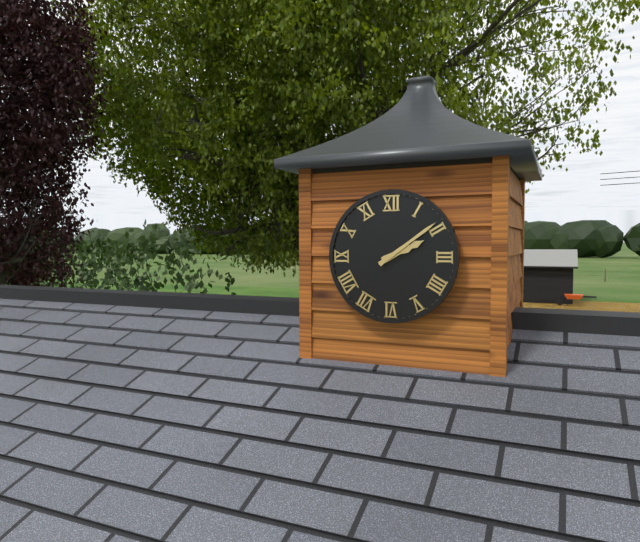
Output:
2.09
